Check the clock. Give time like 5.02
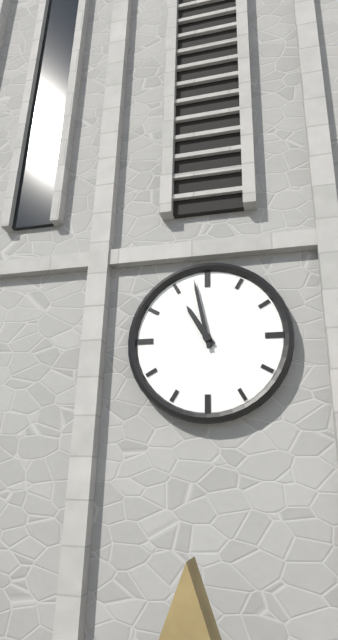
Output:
10.58
